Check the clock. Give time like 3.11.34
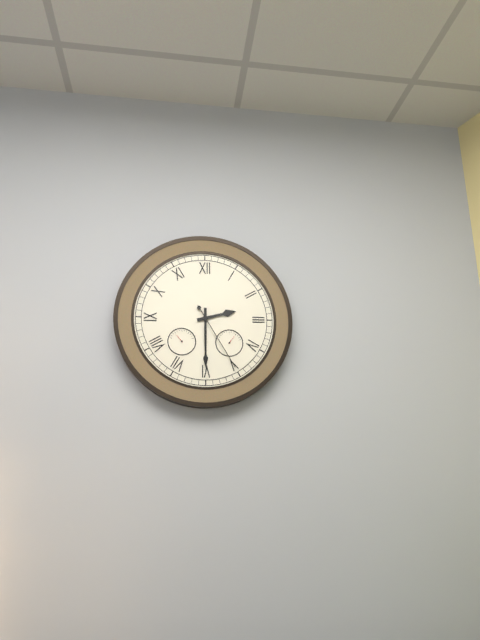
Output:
2.30.25
